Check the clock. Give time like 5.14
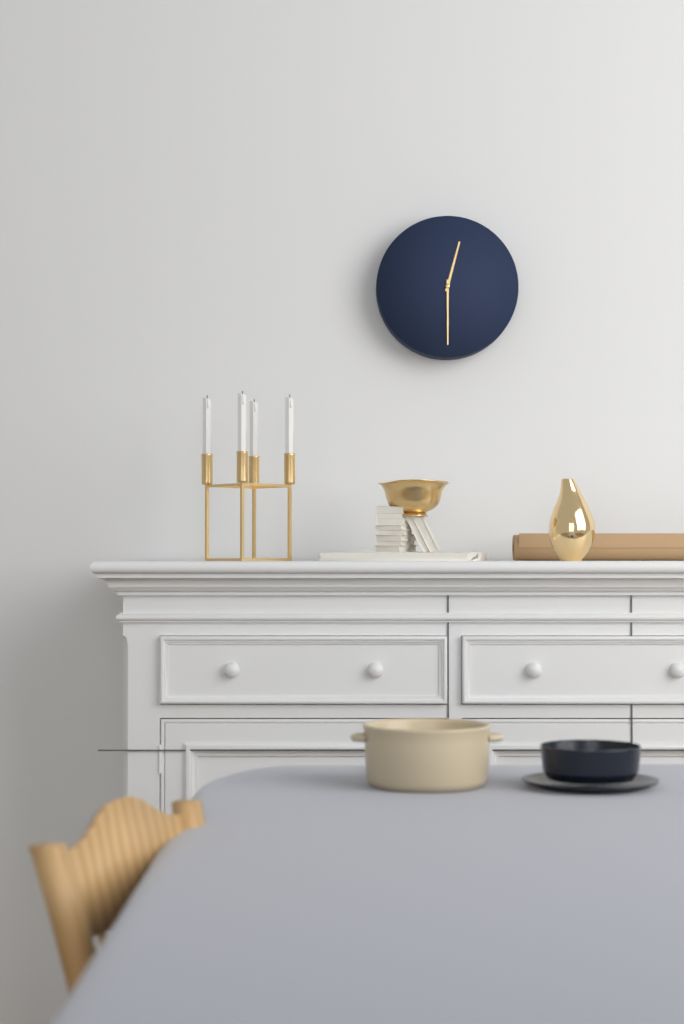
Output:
12.30
